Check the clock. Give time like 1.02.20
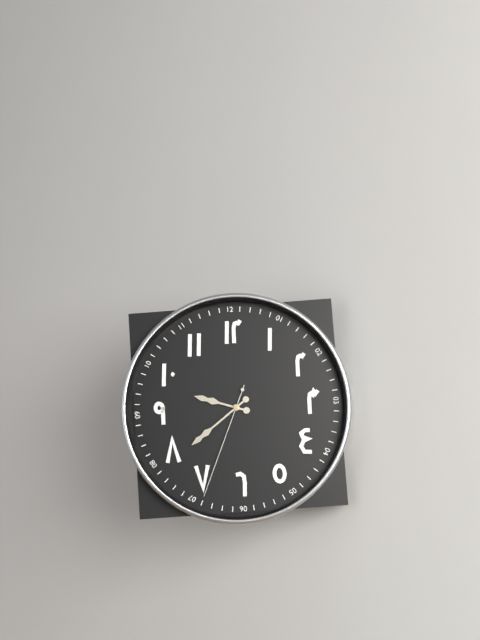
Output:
9.39.34
